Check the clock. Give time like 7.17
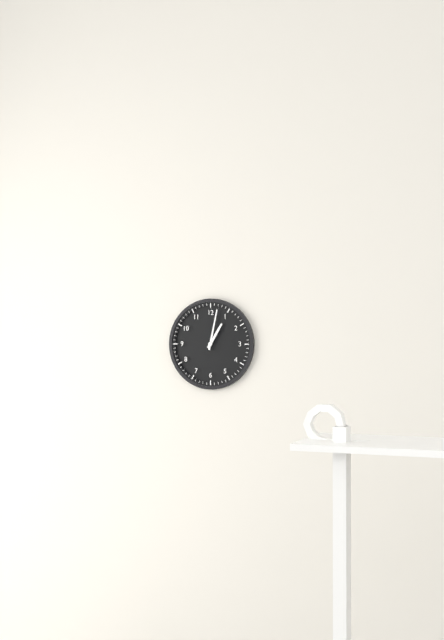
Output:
1.02
